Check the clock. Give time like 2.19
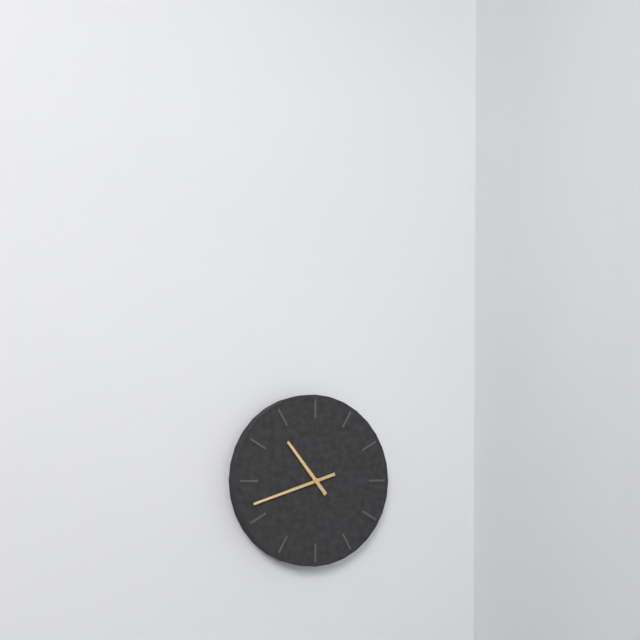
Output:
10.42
